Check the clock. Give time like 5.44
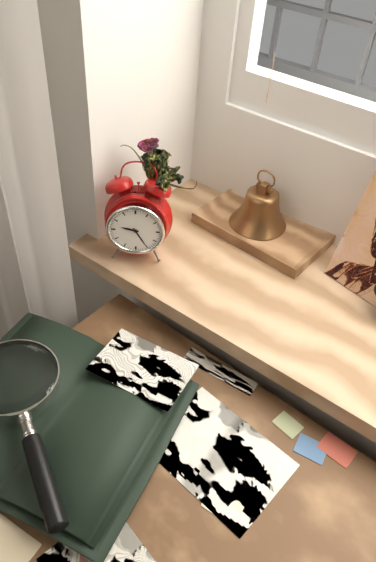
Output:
9.25
